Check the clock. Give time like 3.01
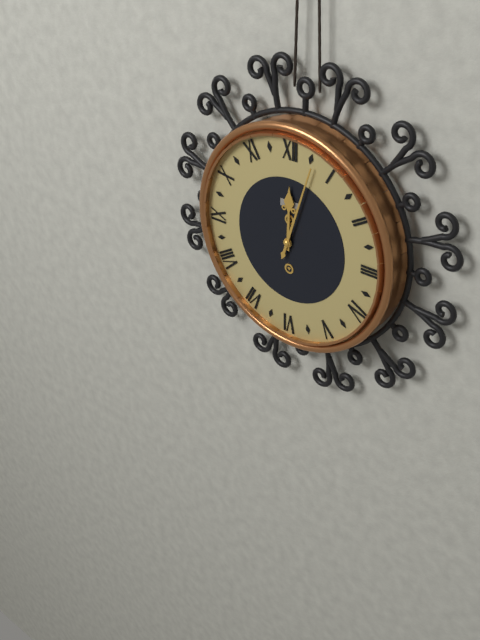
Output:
12.03
